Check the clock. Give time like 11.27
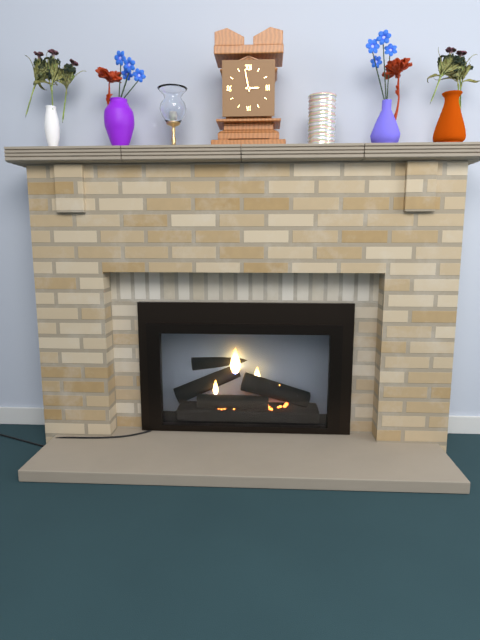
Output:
2.58
